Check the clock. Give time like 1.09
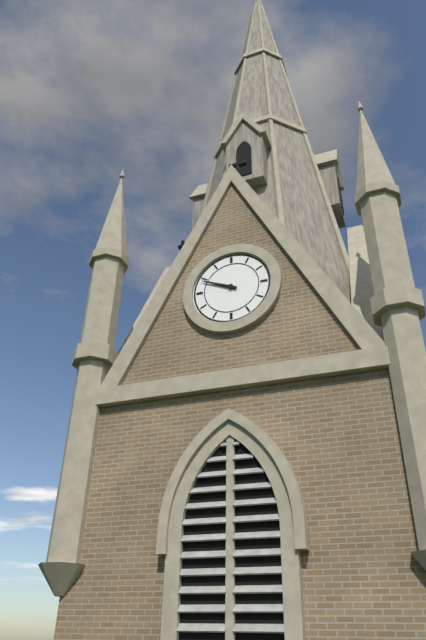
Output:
9.49
